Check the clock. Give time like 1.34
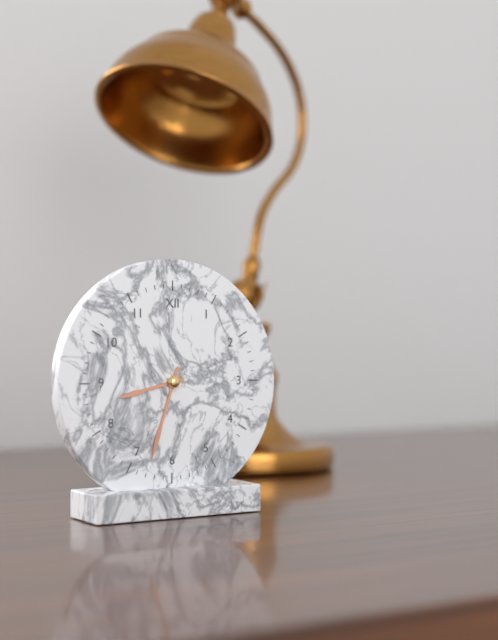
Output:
8.33
